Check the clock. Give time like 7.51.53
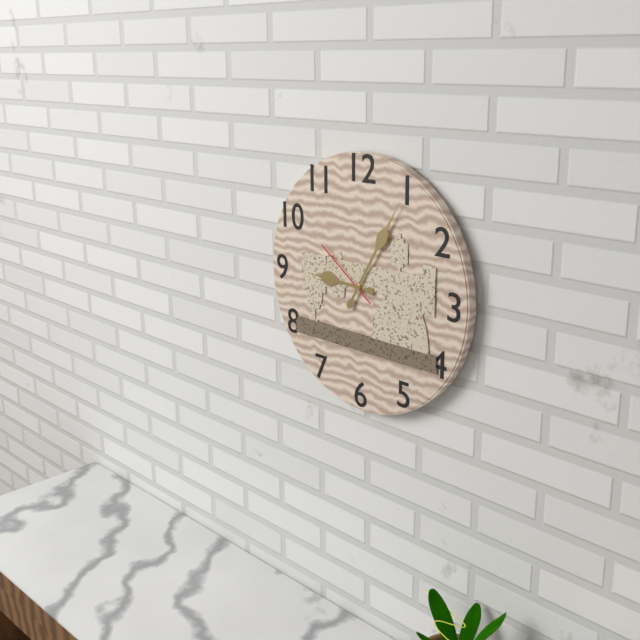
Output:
9.05.51
